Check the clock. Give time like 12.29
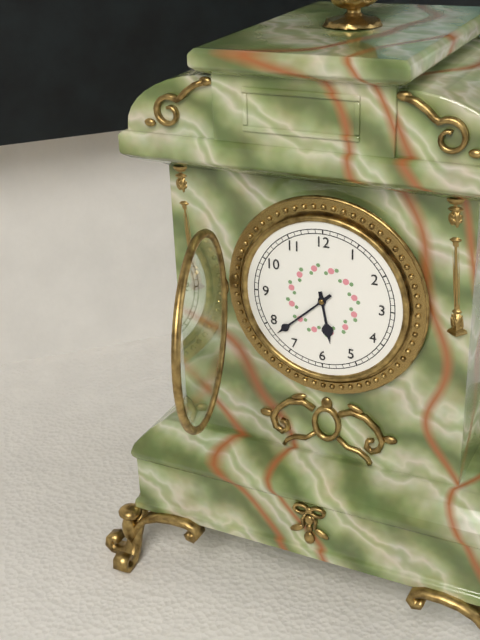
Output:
5.38
